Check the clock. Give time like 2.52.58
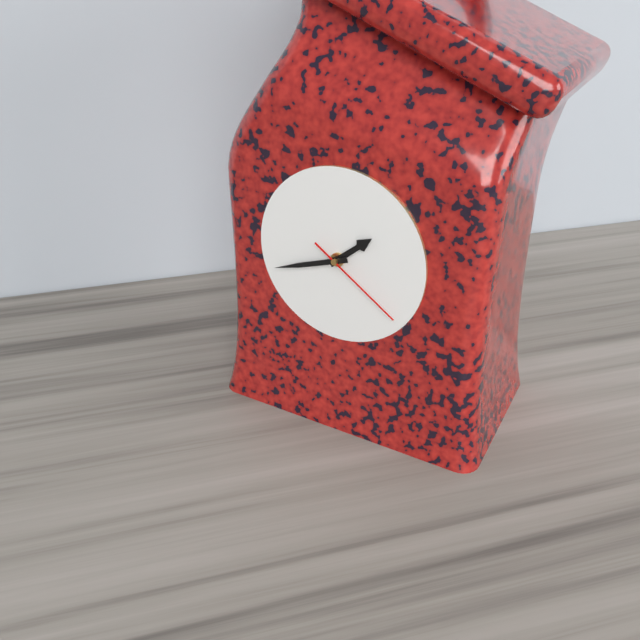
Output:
1.42.21
